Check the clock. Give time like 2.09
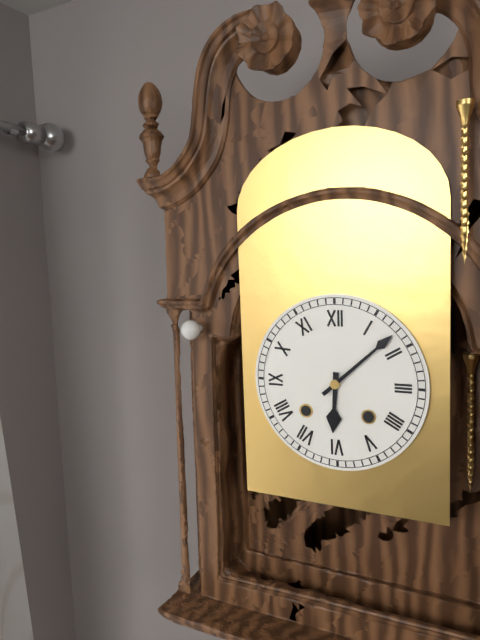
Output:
6.08
